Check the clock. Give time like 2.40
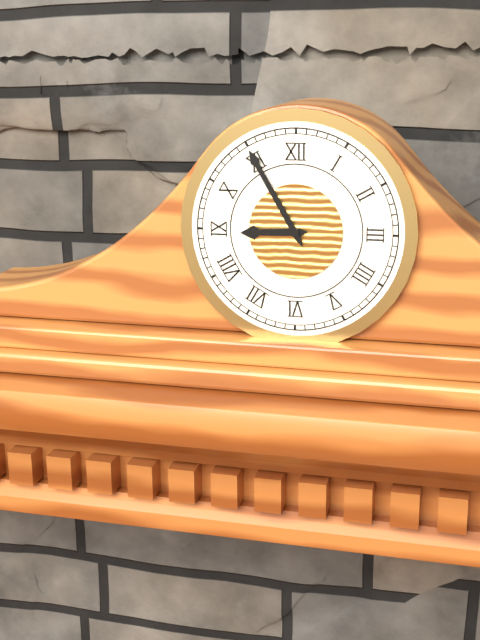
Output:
8.55
